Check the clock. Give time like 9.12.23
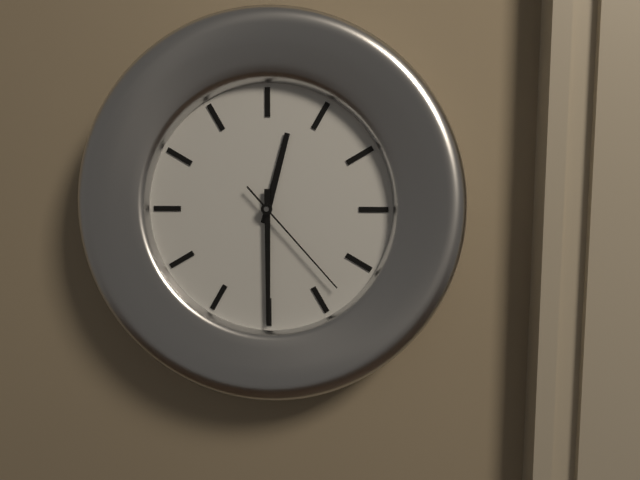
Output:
12.30.23
